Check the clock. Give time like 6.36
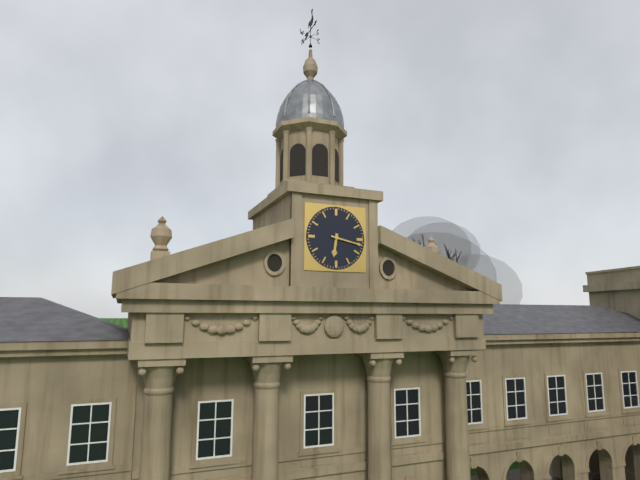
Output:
6.17
